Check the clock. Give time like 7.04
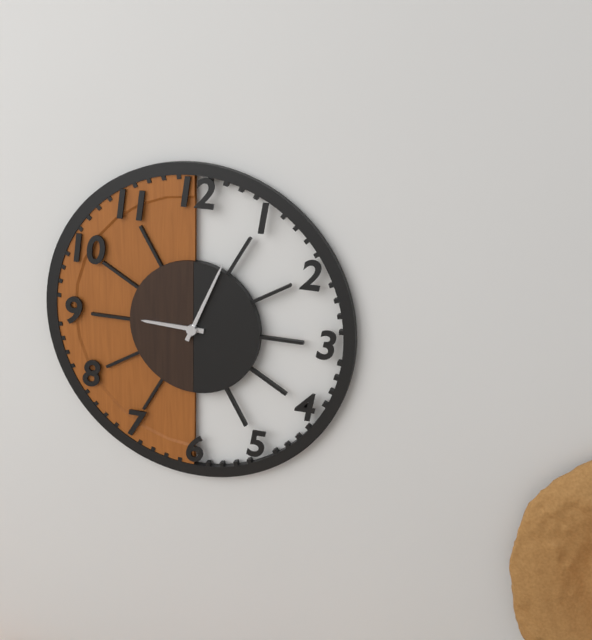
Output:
9.04
